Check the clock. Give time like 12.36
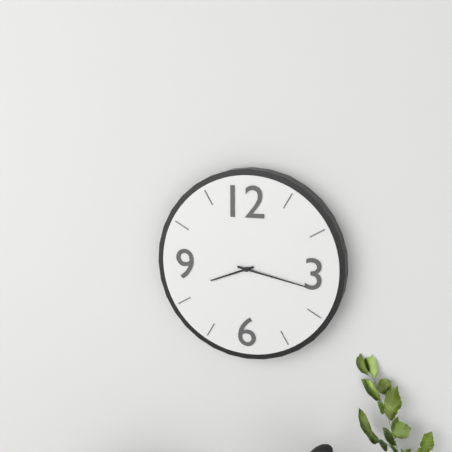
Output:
8.17
